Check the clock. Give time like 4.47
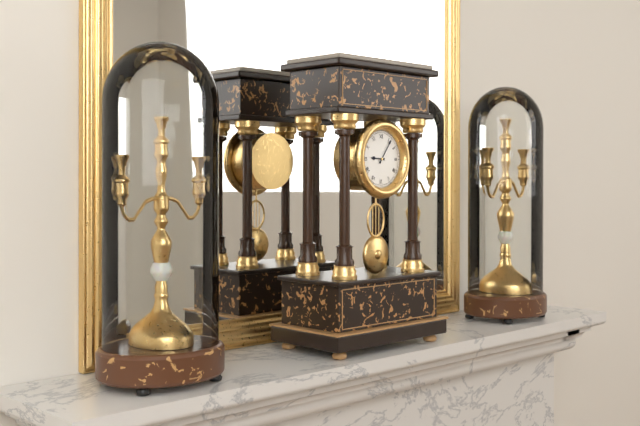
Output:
9.06
